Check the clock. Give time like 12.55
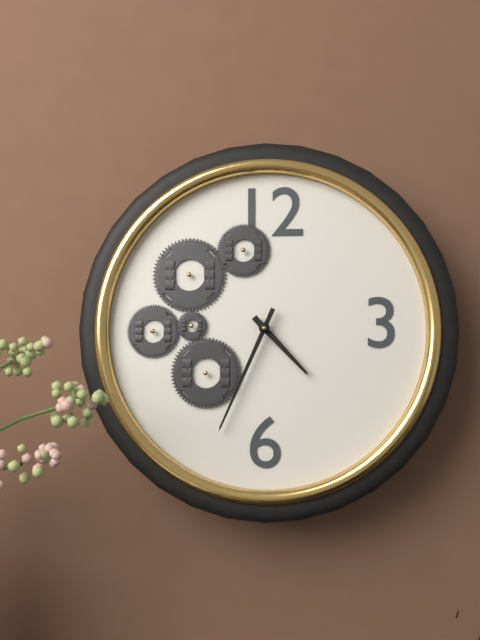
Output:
4.34
